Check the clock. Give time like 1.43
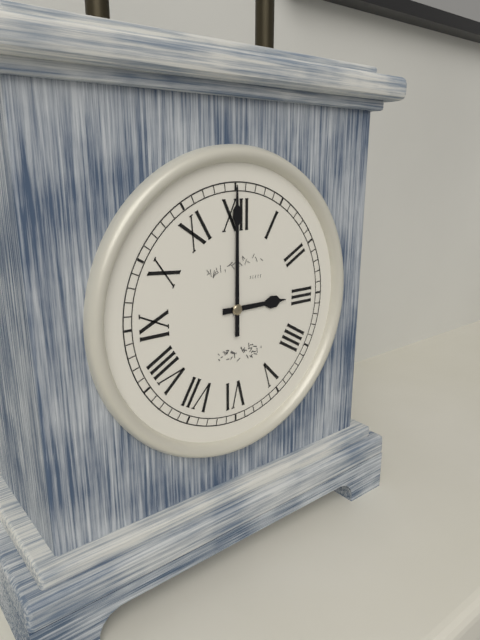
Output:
3.00
